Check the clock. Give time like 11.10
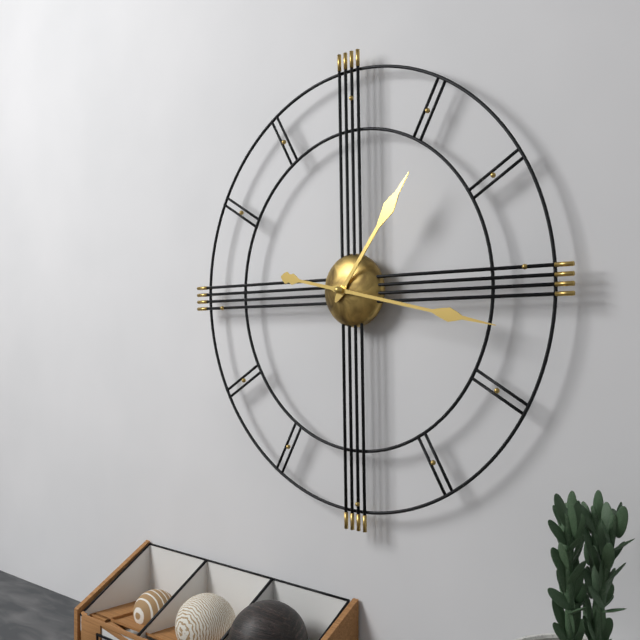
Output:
1.17
